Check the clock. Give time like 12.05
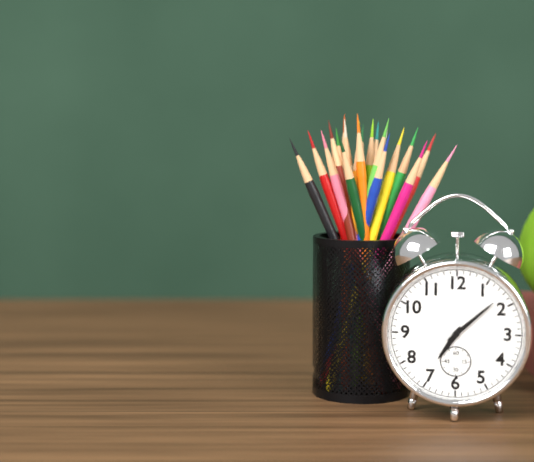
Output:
7.08
